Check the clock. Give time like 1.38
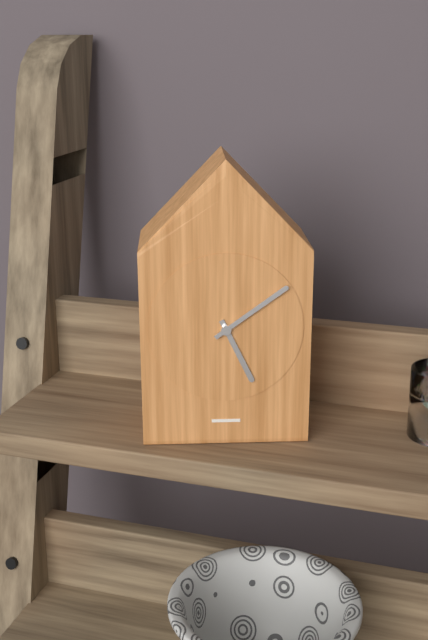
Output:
5.09
